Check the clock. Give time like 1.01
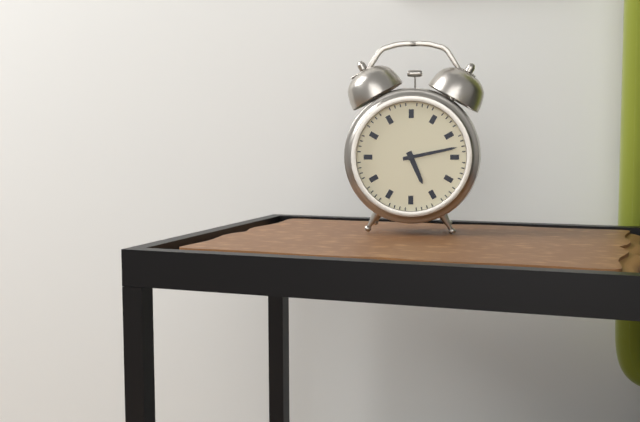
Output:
5.13
